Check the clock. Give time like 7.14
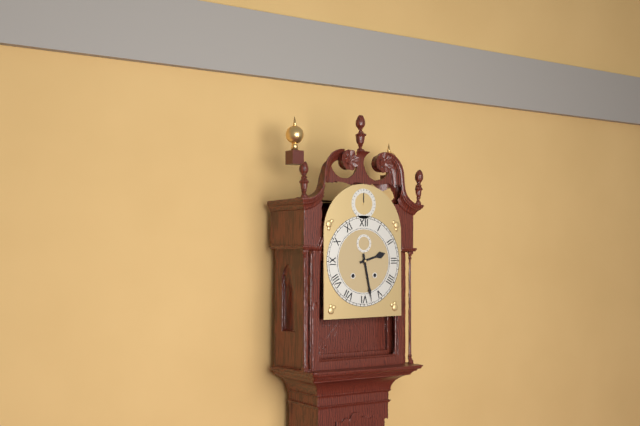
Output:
2.28
